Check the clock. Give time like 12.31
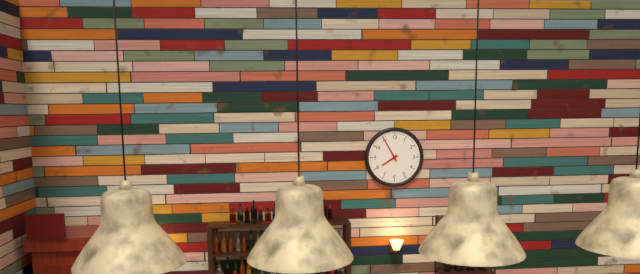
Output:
7.55
